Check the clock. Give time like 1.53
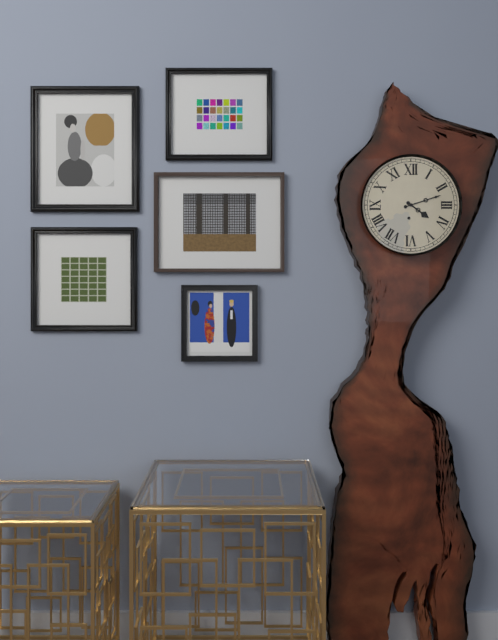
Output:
4.12
